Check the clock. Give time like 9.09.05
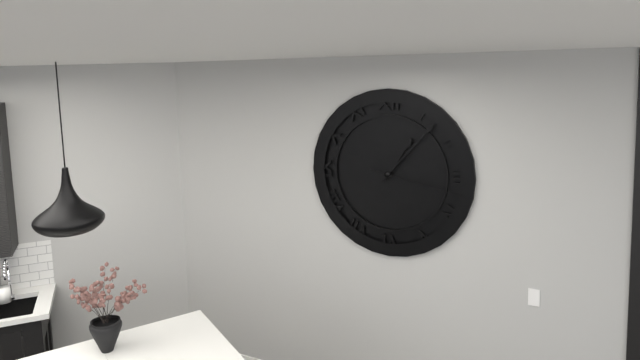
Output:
1.07.17
